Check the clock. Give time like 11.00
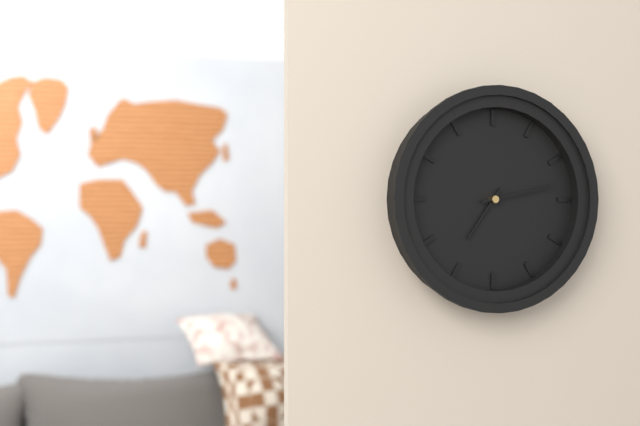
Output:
7.13
